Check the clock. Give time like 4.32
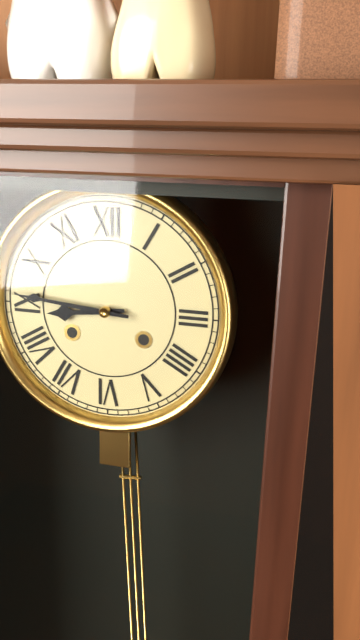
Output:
8.46
